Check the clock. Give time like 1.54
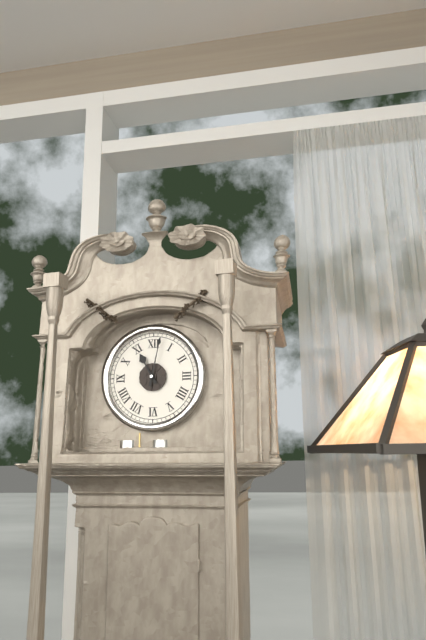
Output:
11.02
